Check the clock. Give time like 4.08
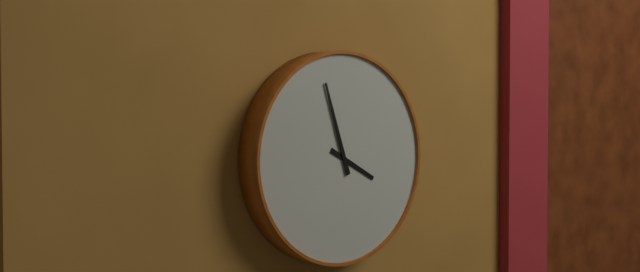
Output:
3.57
